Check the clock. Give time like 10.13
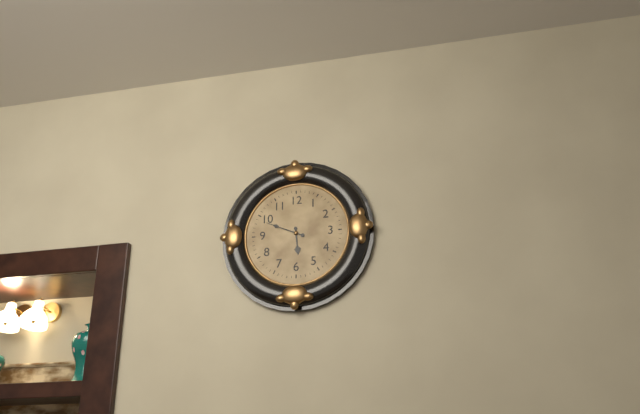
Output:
5.49
